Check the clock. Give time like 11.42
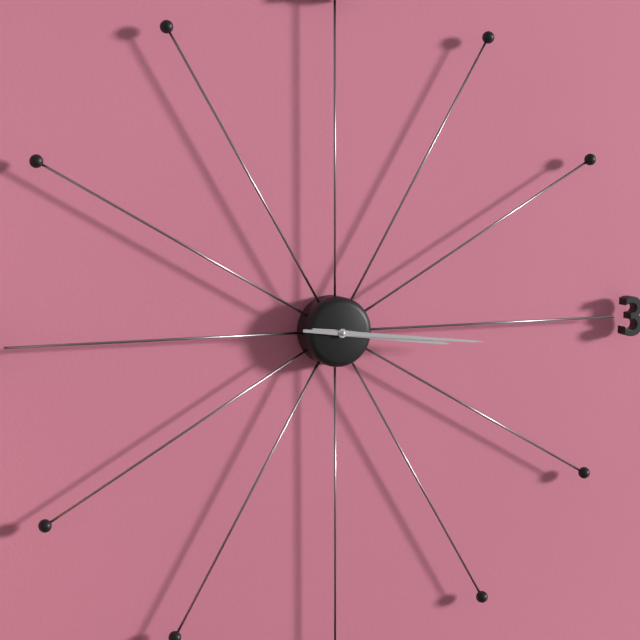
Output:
3.16
